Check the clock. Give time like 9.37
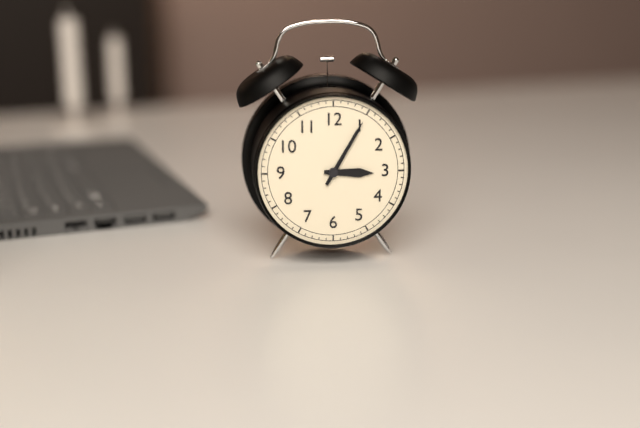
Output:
3.05
